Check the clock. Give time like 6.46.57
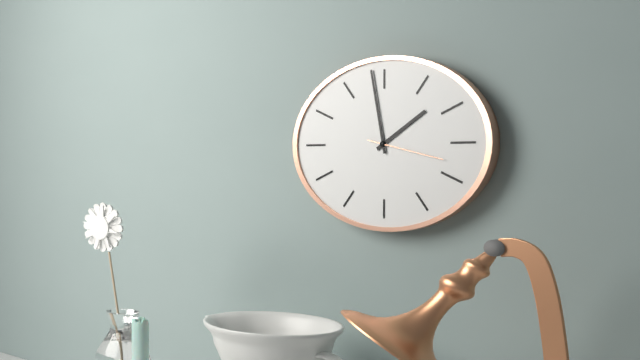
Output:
1.58.17
